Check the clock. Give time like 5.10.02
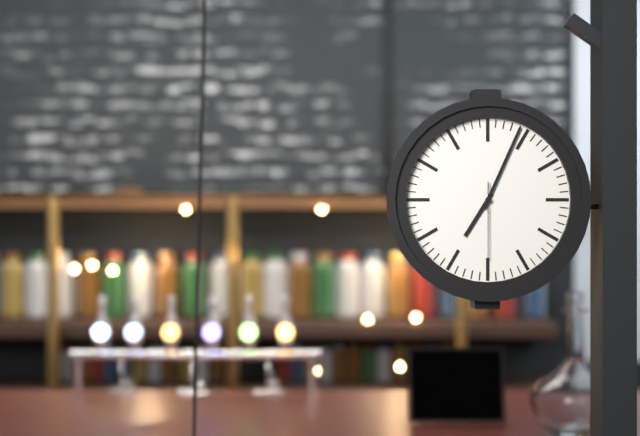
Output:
7.04.30
